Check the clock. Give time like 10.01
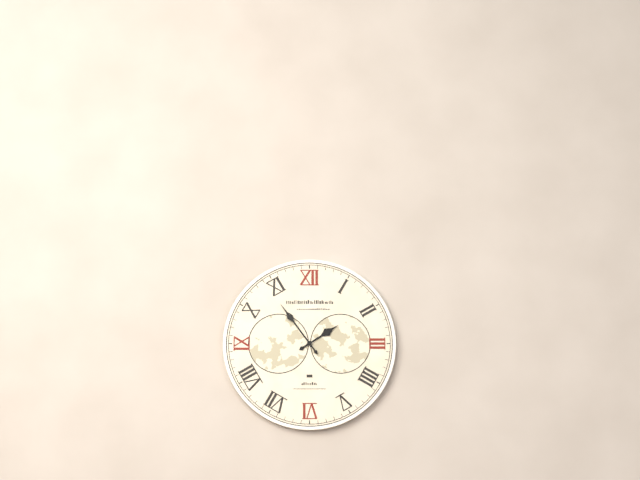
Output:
1.54
